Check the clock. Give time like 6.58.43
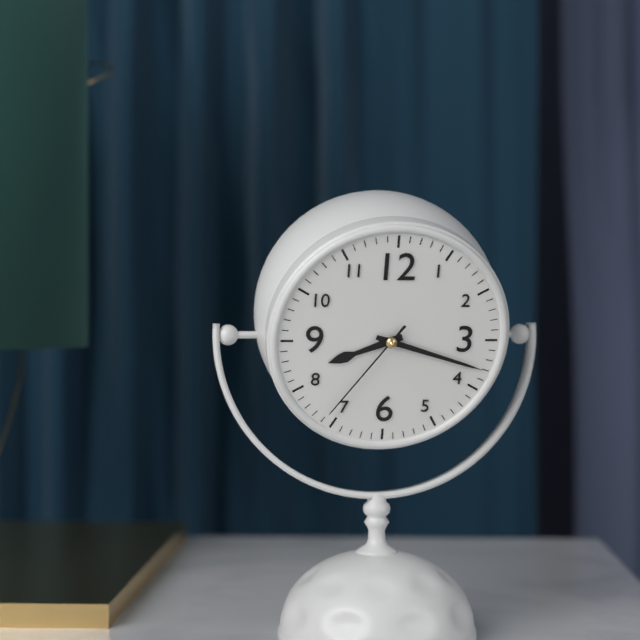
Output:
8.18.36
